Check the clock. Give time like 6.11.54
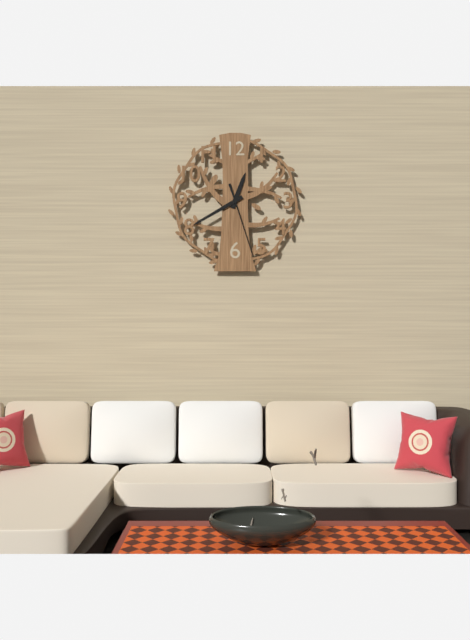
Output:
12.40.27
